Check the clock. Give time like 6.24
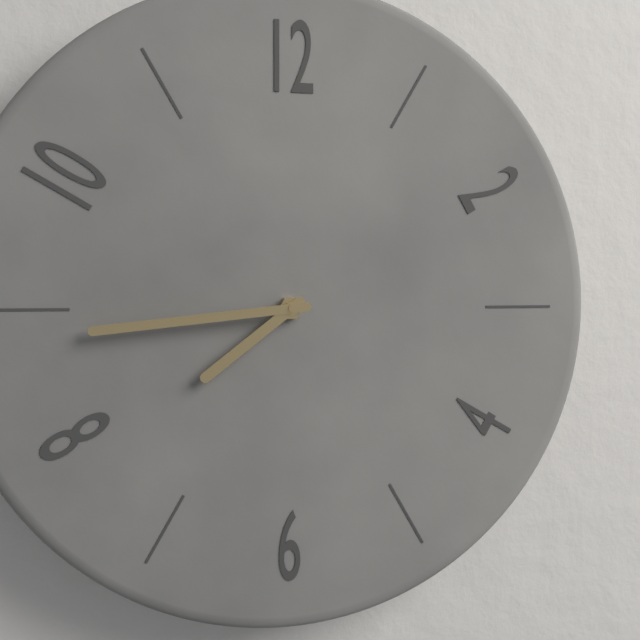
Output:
7.44
